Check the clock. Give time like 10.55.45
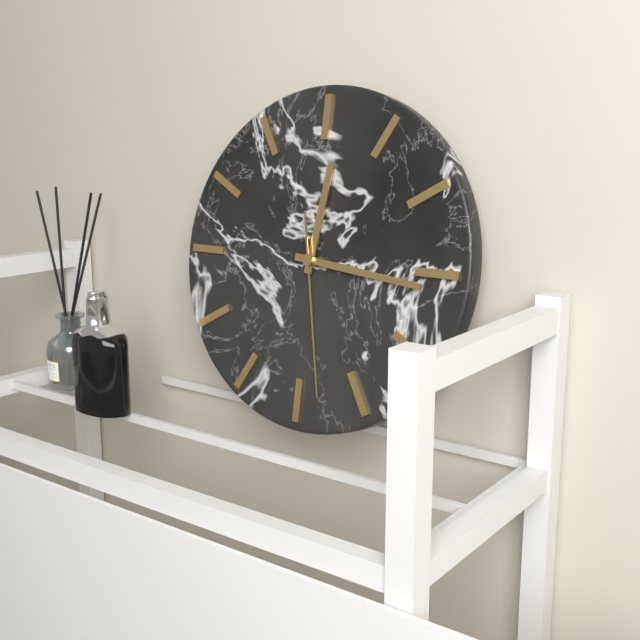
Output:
12.16.28
